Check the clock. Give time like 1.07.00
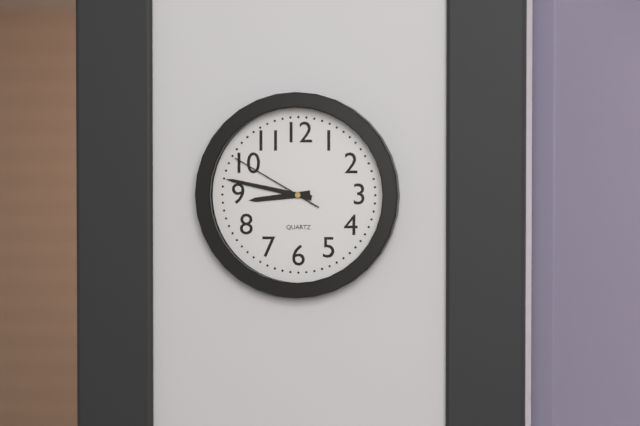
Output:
8.47.50
